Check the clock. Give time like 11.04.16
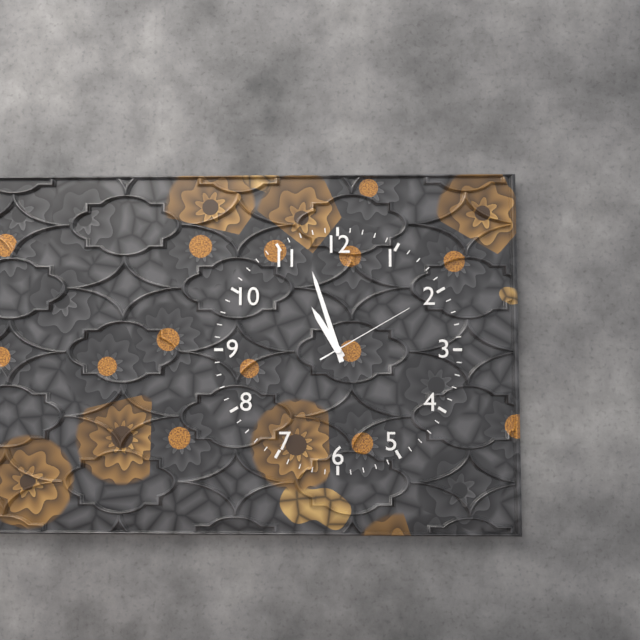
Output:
10.57.10
